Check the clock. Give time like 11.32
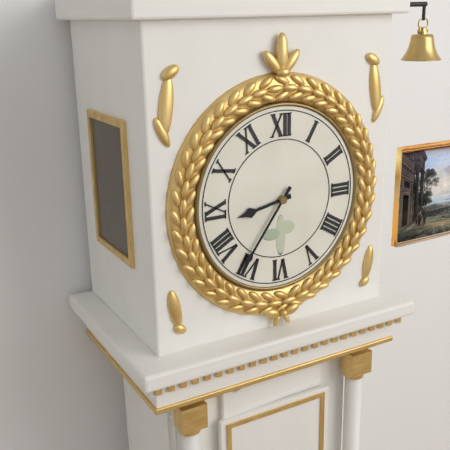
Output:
8.36
